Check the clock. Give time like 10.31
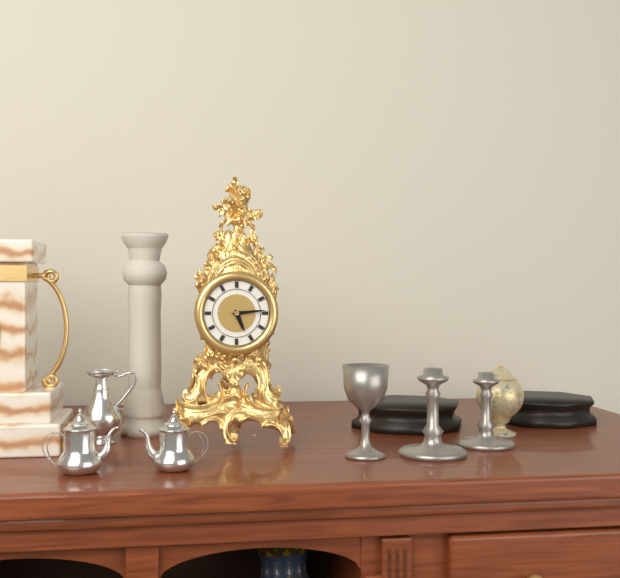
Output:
5.14
